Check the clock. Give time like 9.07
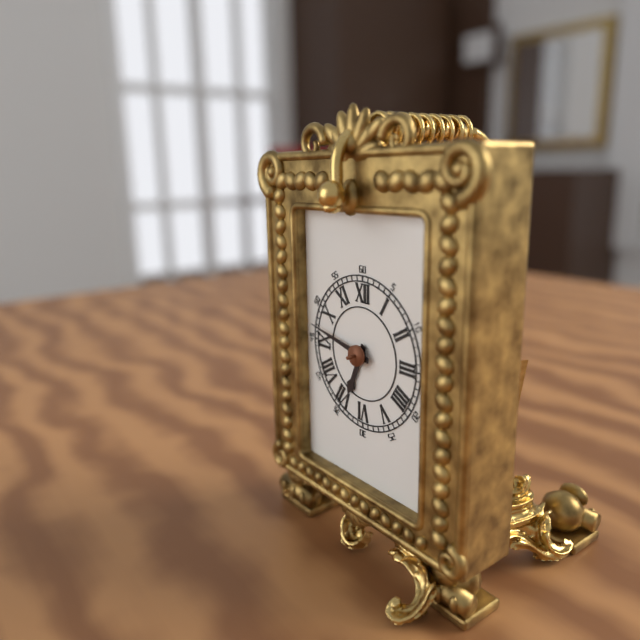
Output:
6.47
